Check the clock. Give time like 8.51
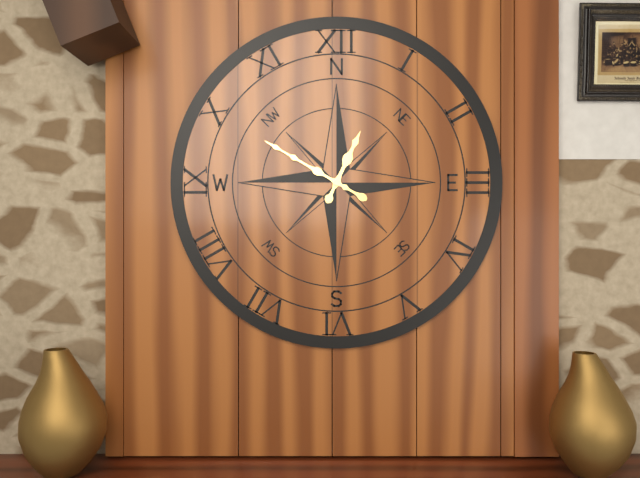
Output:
12.50
